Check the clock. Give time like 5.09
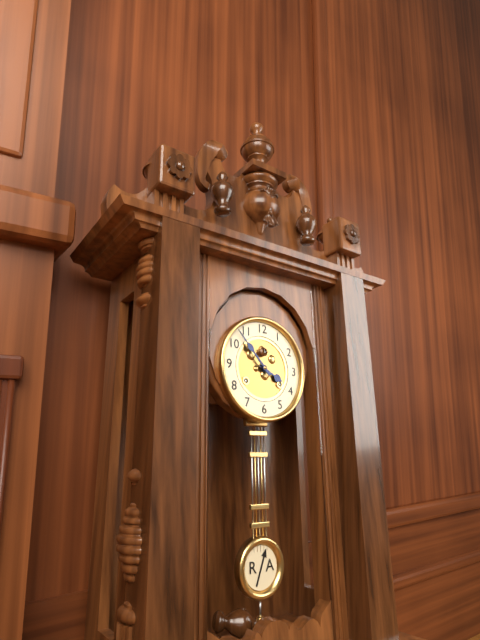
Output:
3.53
